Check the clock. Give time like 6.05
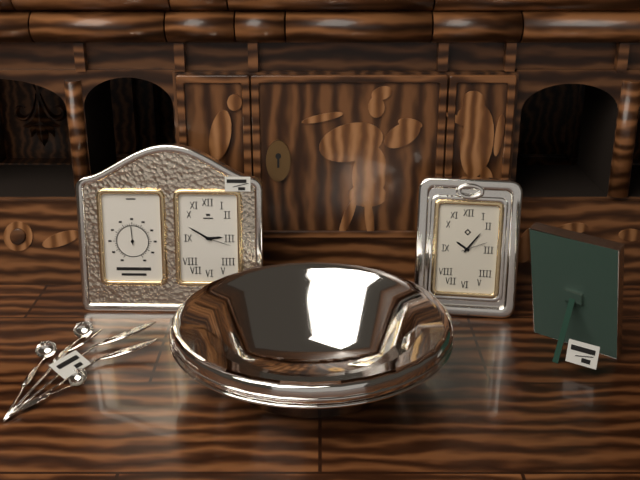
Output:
2.50
